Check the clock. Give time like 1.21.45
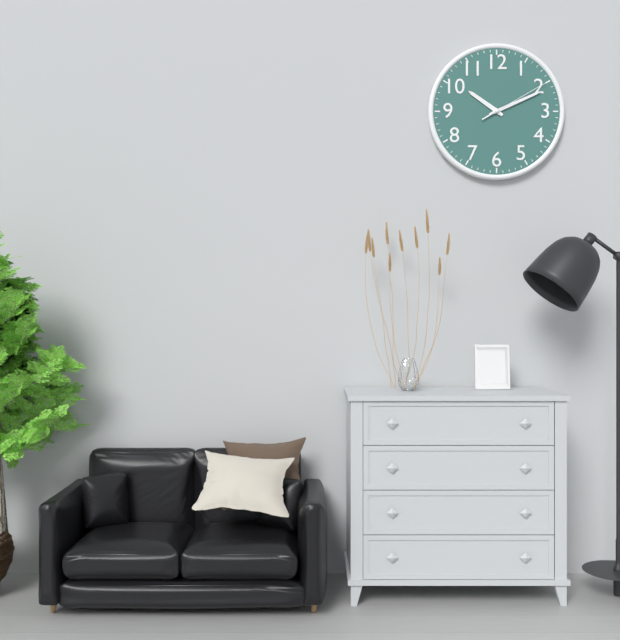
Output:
10.11.10
